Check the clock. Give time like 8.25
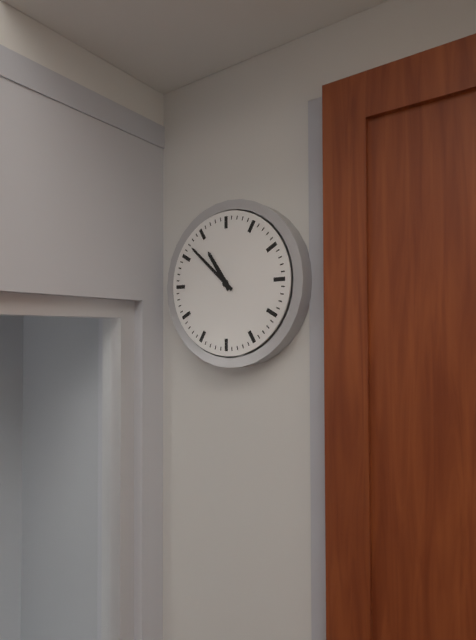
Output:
10.52
